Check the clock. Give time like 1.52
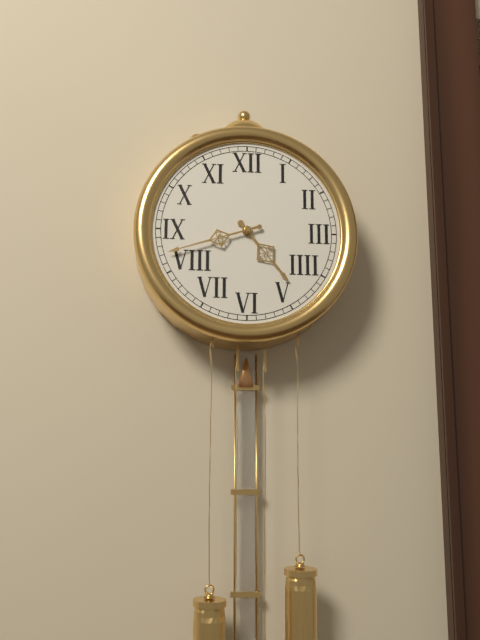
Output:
4.42
